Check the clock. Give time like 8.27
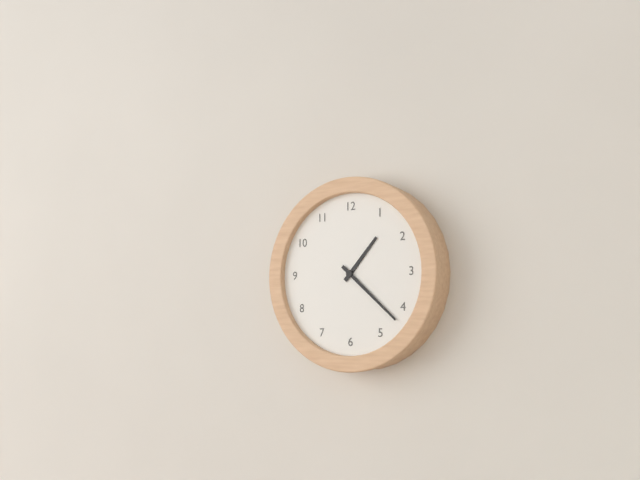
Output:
1.22
